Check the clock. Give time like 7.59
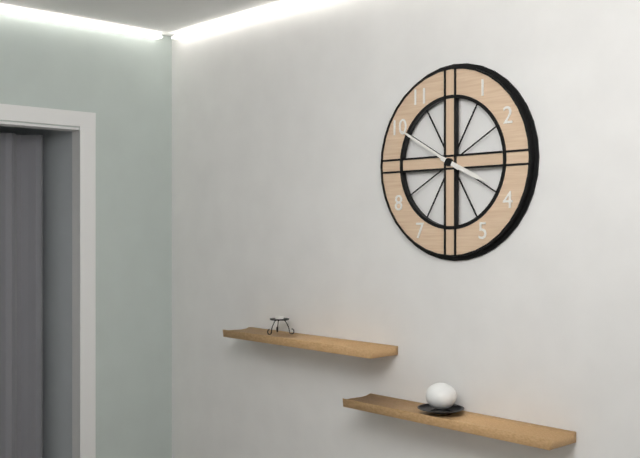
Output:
3.50
